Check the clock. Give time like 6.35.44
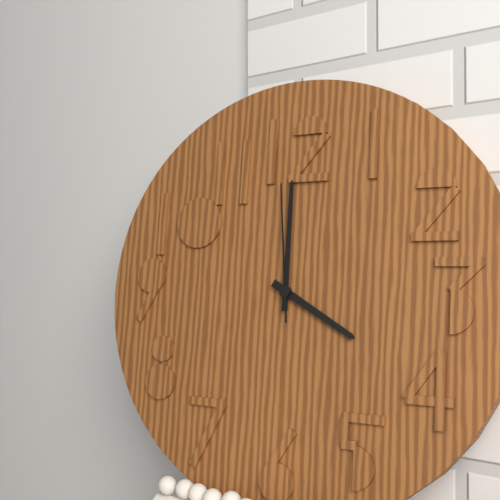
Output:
4.00.59
